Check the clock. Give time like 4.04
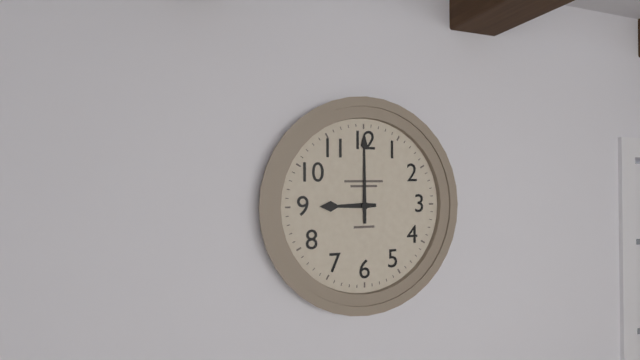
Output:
9.00
